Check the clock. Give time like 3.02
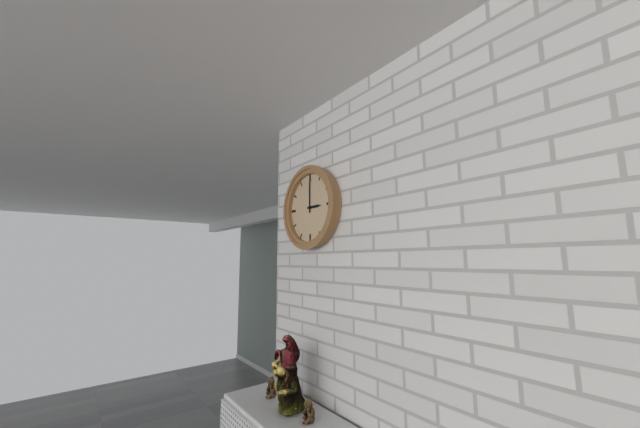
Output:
3.00
